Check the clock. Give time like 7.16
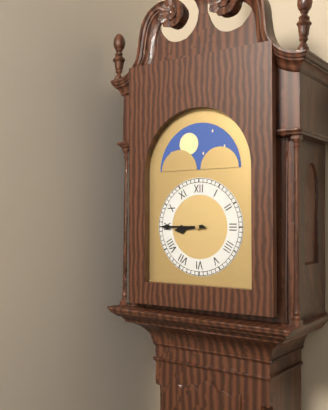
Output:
8.45
